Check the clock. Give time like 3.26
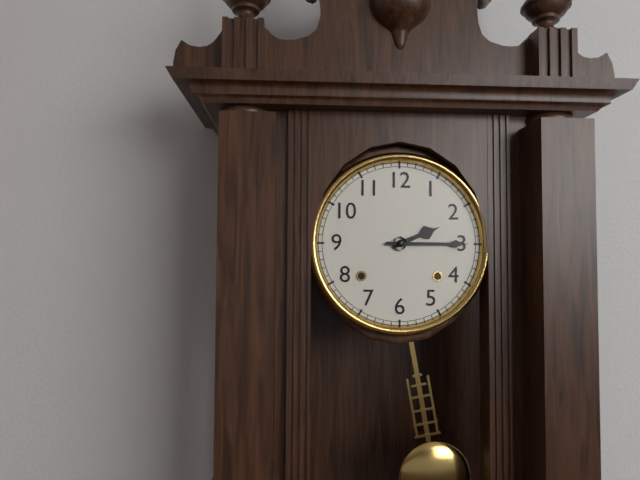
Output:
2.15
